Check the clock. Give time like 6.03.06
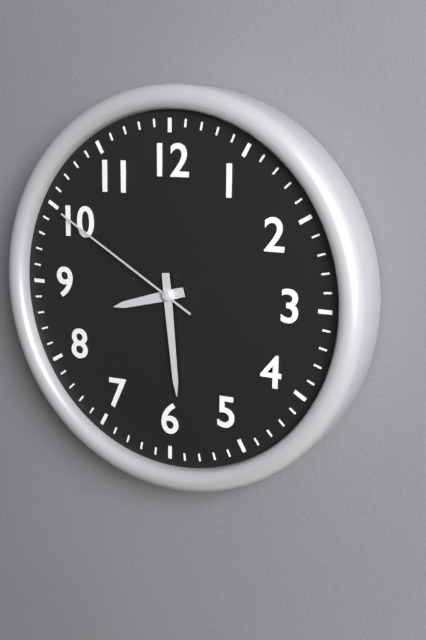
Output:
8.29.50
